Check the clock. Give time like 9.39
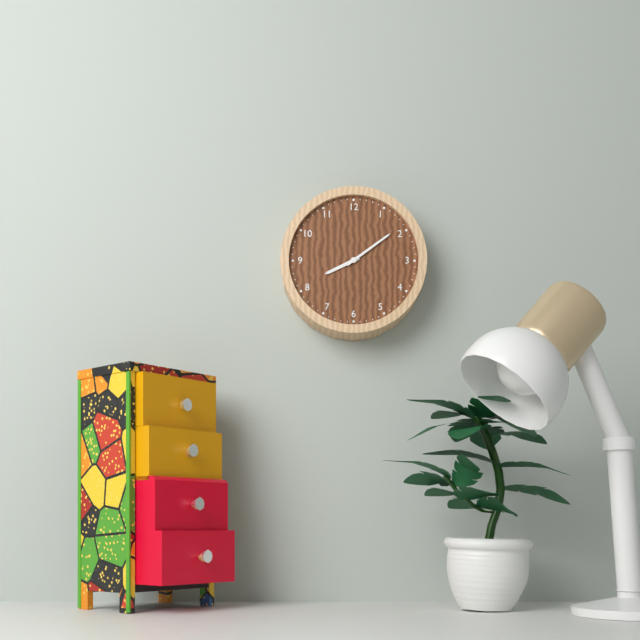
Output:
8.09
